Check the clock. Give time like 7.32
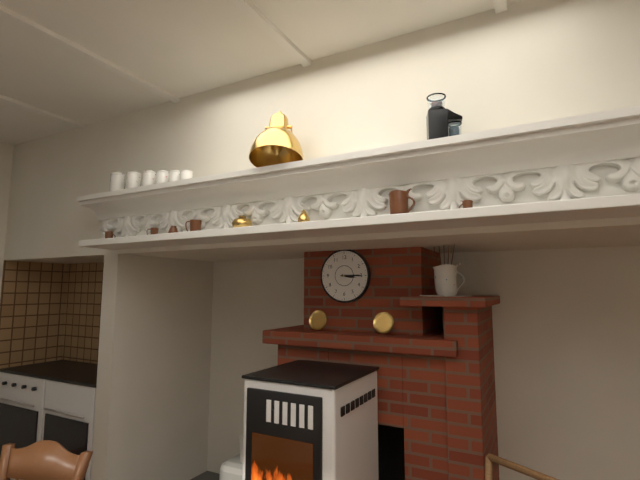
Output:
3.15
